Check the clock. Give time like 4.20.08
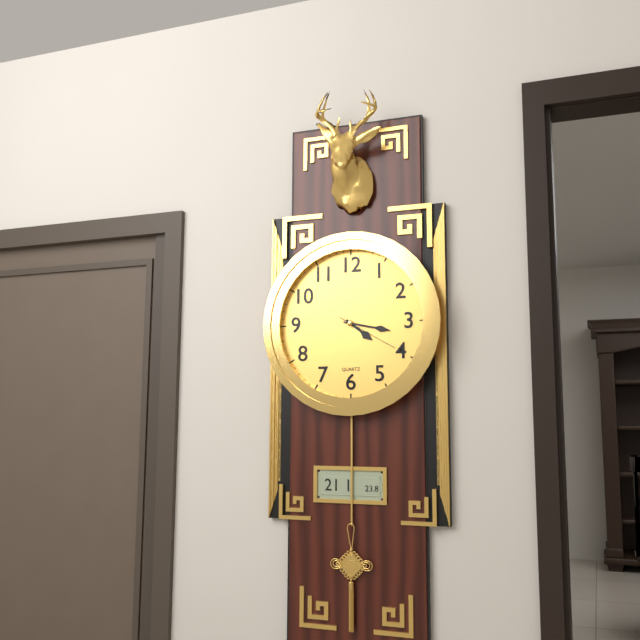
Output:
4.17.20
